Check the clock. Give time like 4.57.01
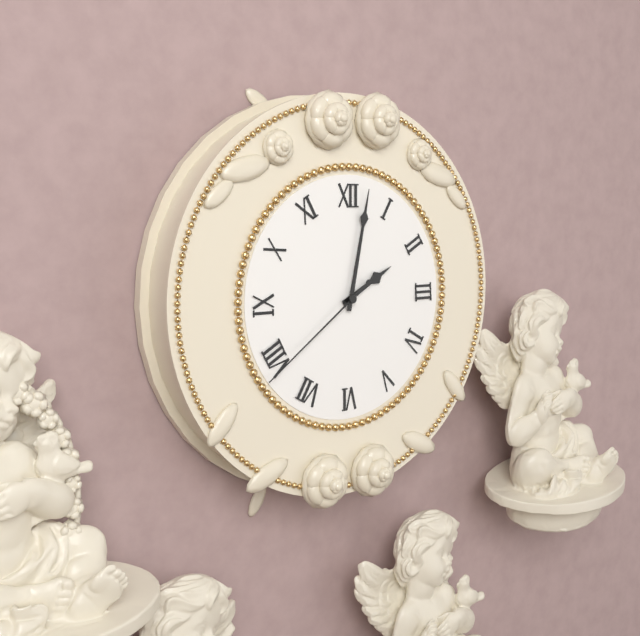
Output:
2.02.39
